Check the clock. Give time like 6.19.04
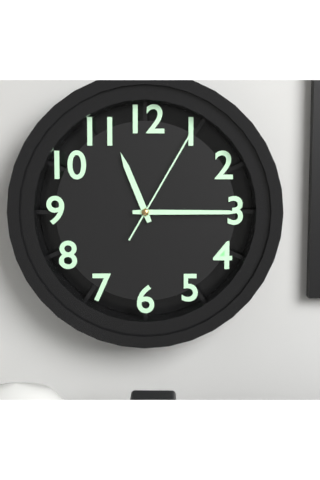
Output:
11.15.05
